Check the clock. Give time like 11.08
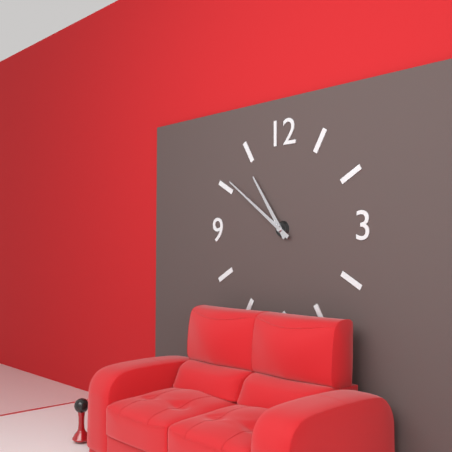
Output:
10.51
